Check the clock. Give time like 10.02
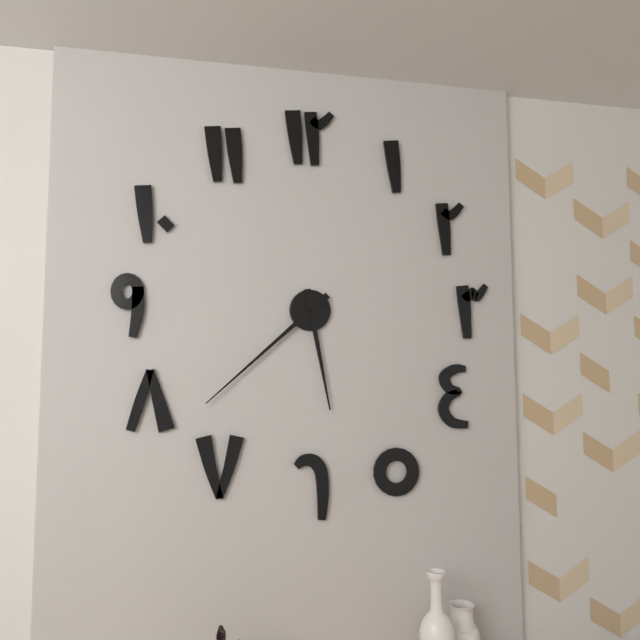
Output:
5.38
